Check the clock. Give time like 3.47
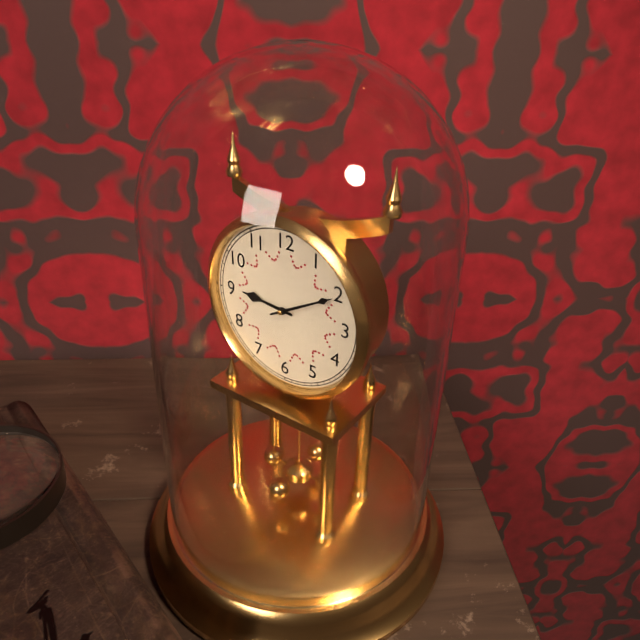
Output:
9.10
